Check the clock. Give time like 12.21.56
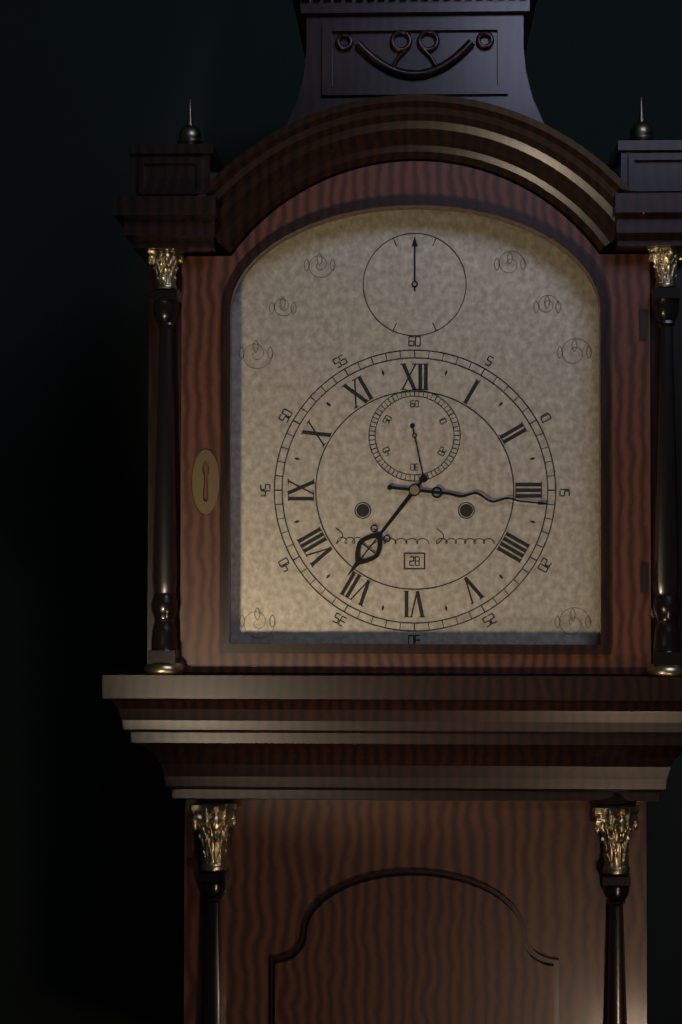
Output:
7.16.28
